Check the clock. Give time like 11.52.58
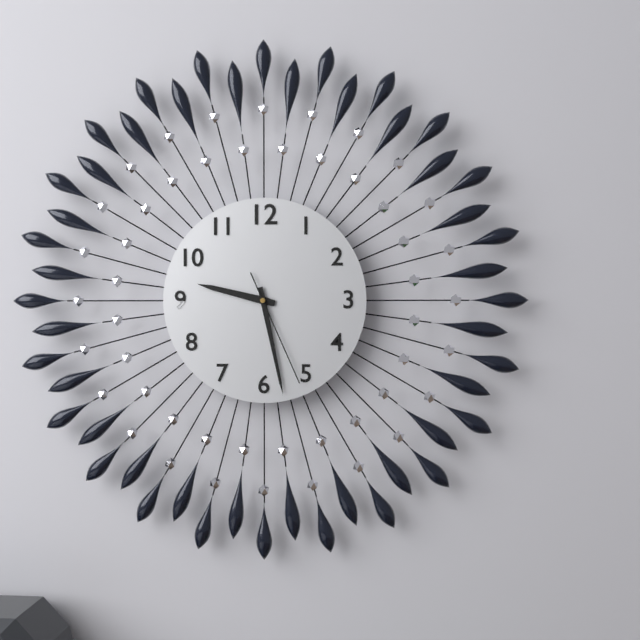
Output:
9.28.26
